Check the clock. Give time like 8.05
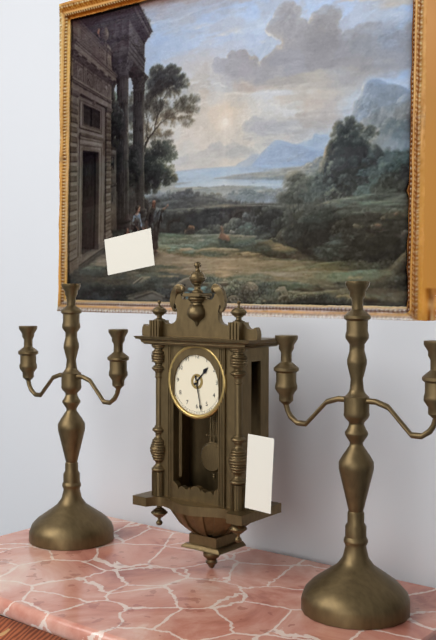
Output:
1.28
